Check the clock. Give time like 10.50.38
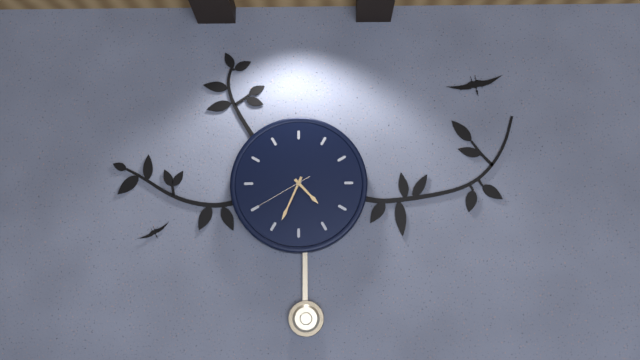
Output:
4.34.40
